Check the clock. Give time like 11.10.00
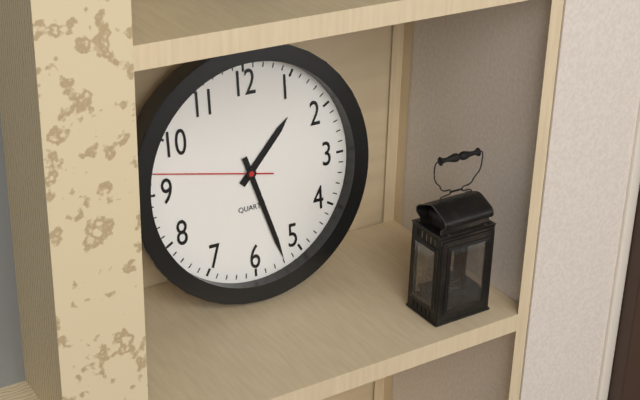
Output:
1.27.47
